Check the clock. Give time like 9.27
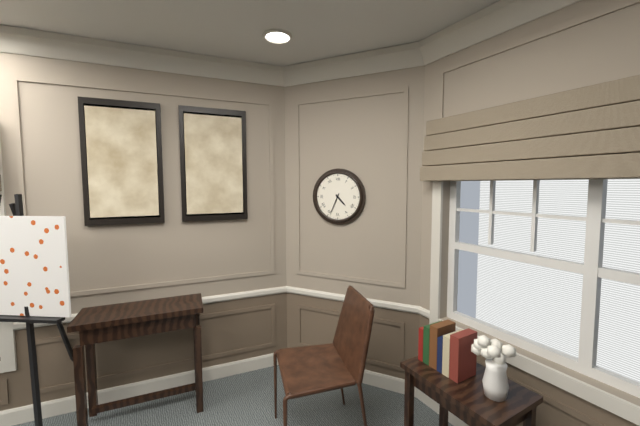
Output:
4.34
